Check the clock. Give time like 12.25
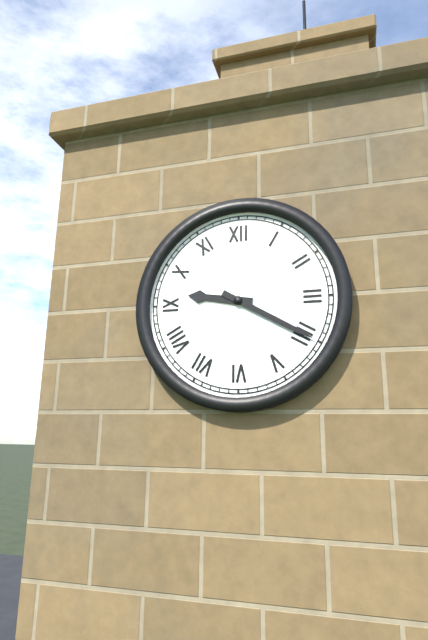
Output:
9.20
